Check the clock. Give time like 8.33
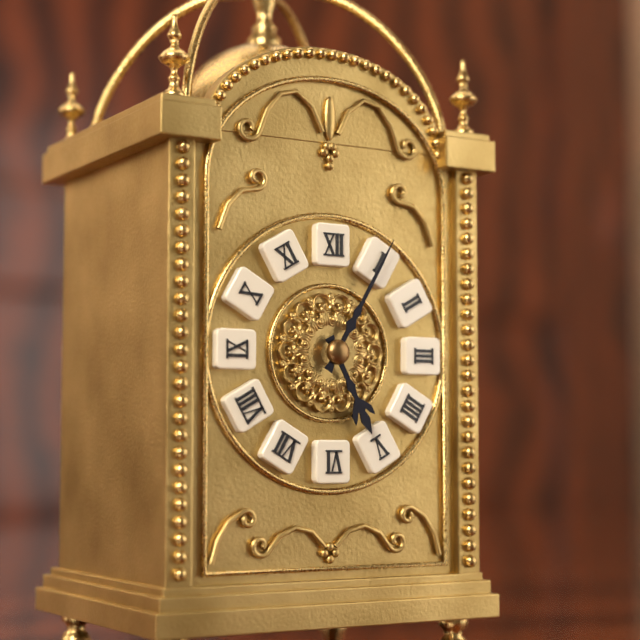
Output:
5.05
